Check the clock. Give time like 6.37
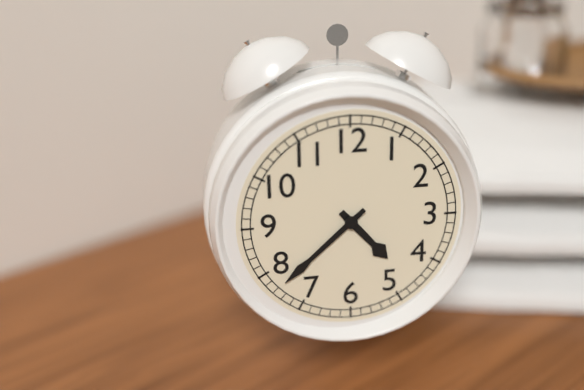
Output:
4.38
